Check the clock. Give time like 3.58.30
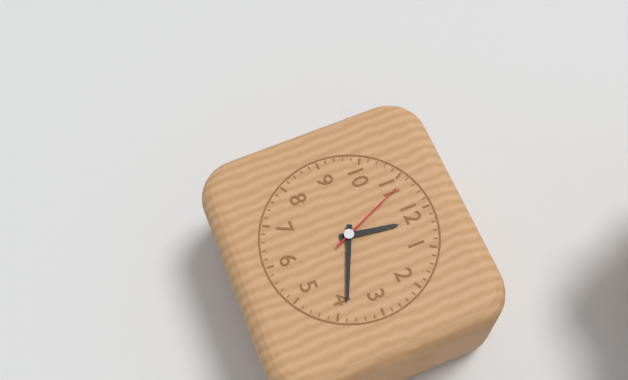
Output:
12.19.56
